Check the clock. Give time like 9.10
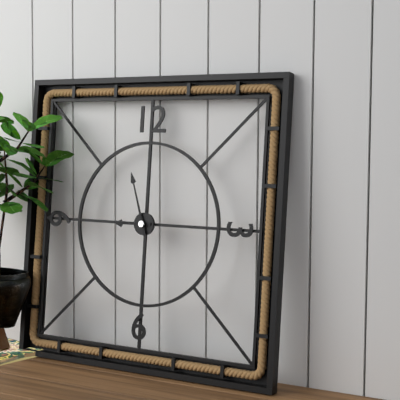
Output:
8.57
